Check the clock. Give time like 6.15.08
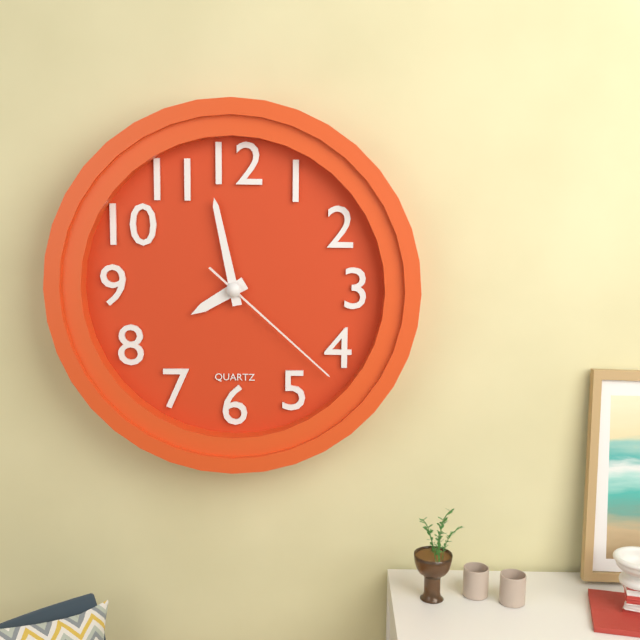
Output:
7.58.22
